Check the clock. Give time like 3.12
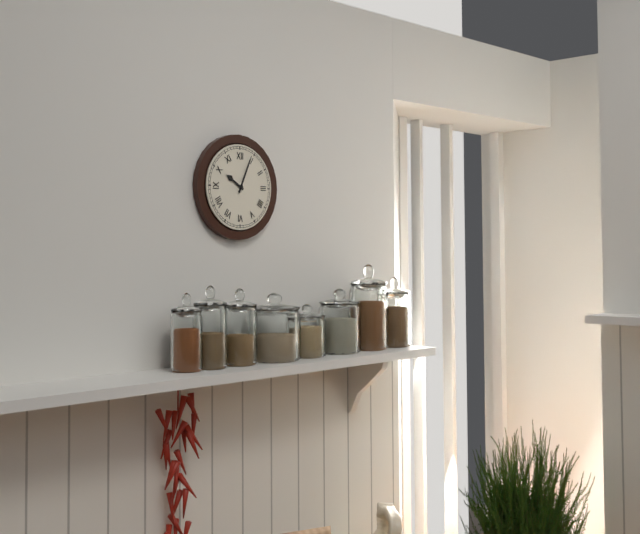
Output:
10.04
